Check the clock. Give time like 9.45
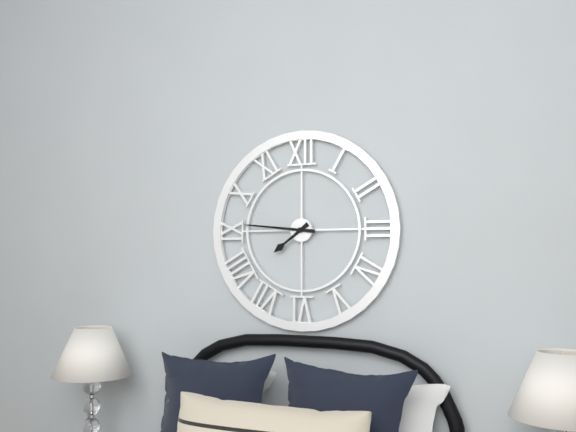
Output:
7.46
